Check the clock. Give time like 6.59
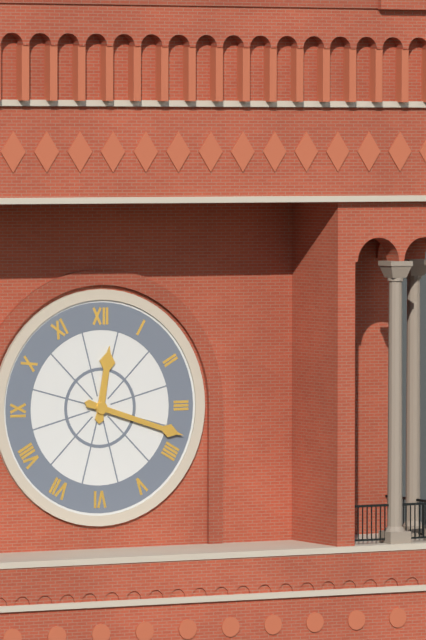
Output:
12.18
